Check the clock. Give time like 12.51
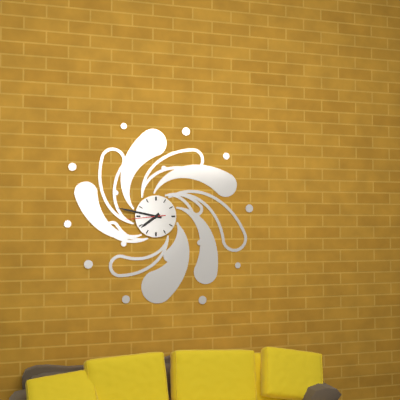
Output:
7.47
